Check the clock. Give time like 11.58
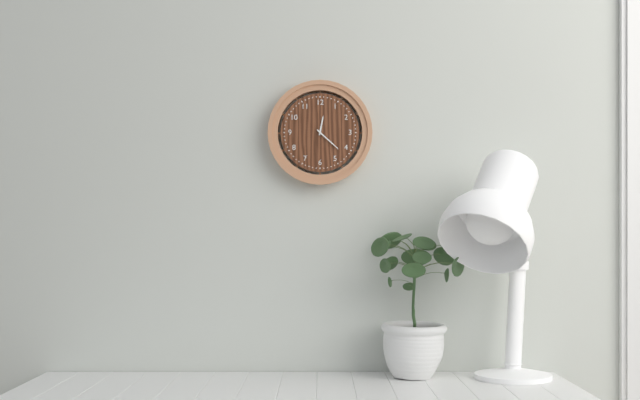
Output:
12.22
